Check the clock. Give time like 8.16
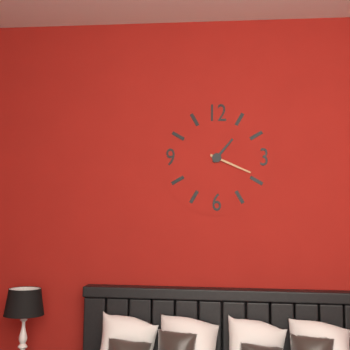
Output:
1.19
